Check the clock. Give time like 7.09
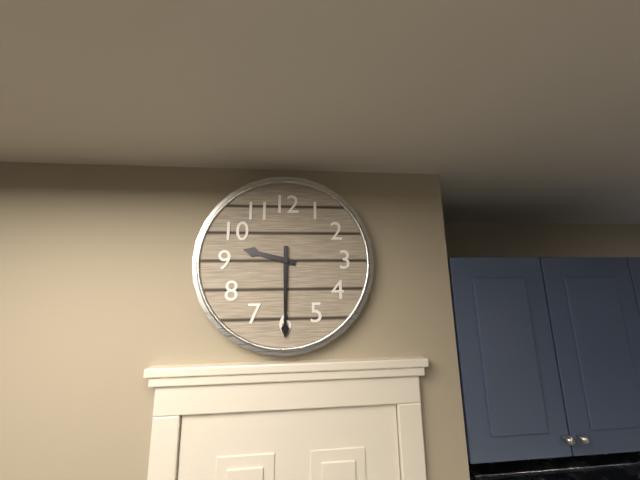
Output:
9.30
